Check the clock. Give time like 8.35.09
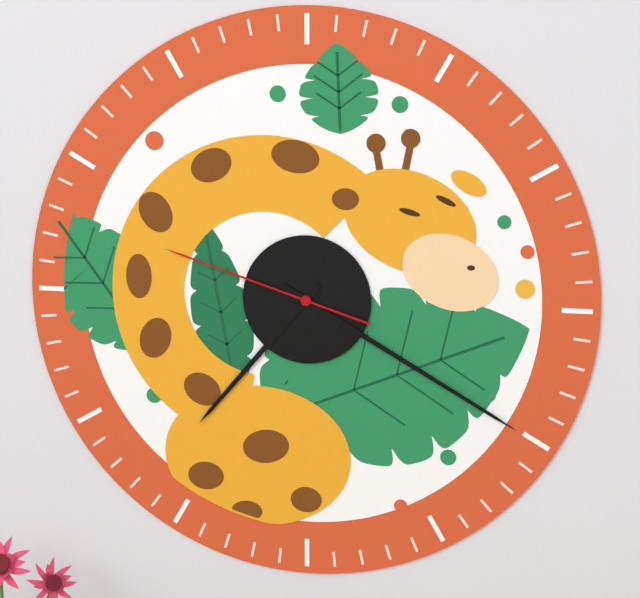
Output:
7.20.48
